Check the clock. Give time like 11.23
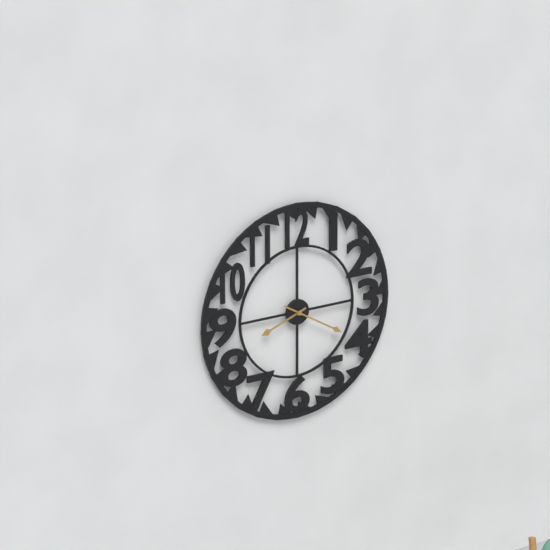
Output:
8.20
